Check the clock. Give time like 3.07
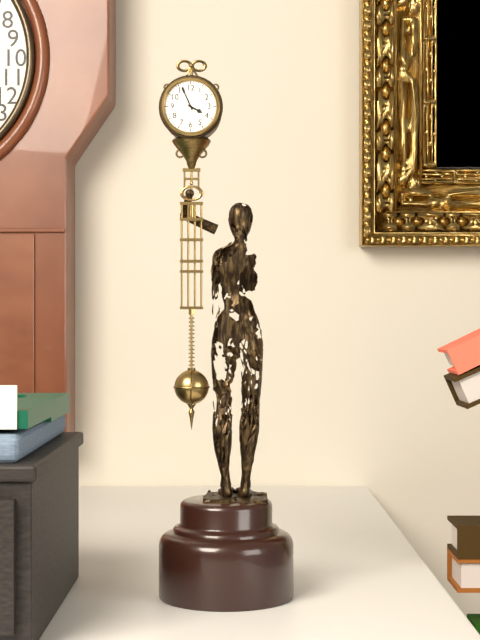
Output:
3.56
